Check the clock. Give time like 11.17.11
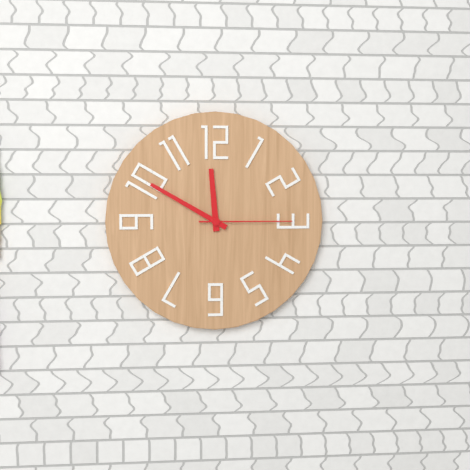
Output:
11.50.15
